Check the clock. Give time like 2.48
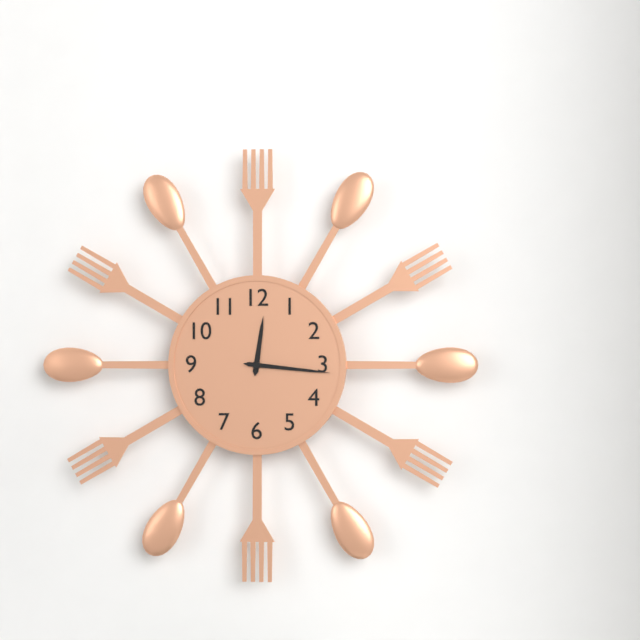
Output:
12.16
